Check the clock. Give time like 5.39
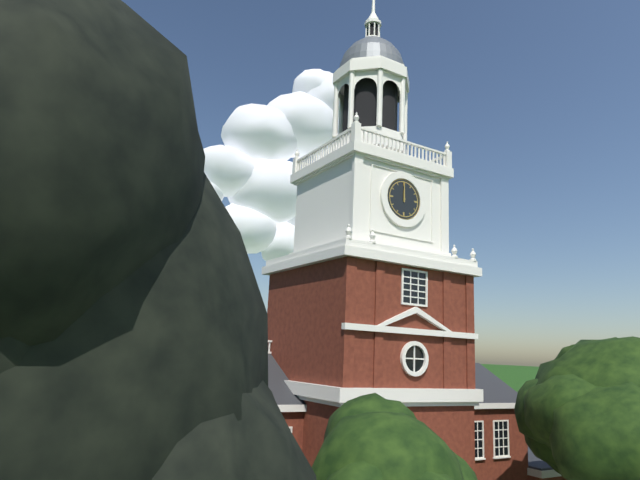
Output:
12.00
